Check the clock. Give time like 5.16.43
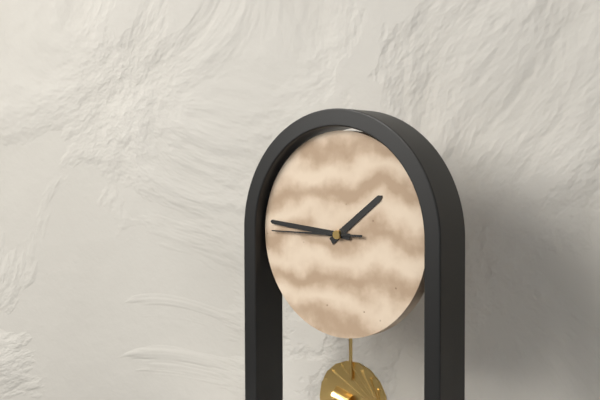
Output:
1.46.45
